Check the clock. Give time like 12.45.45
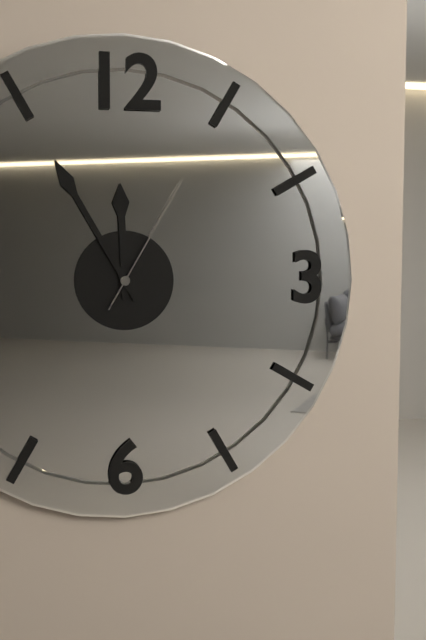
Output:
11.55.05
